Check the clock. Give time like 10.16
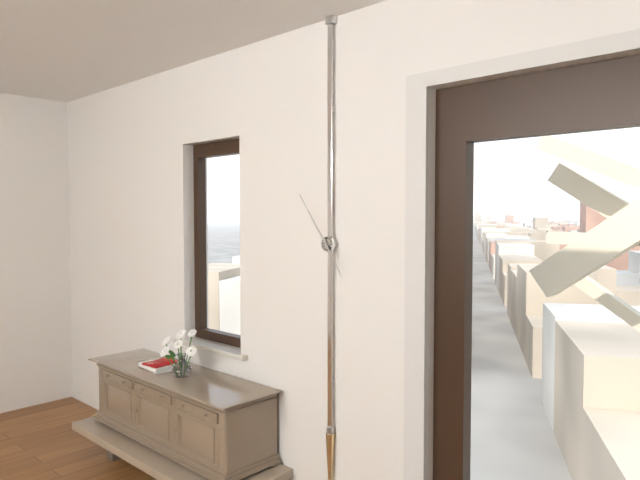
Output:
4.54
